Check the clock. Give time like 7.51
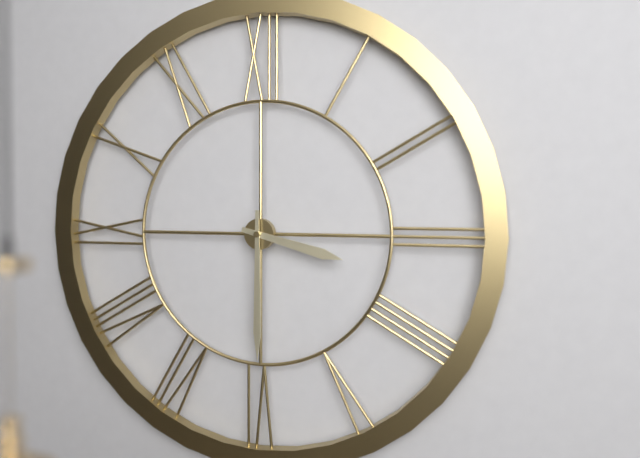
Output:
3.30
